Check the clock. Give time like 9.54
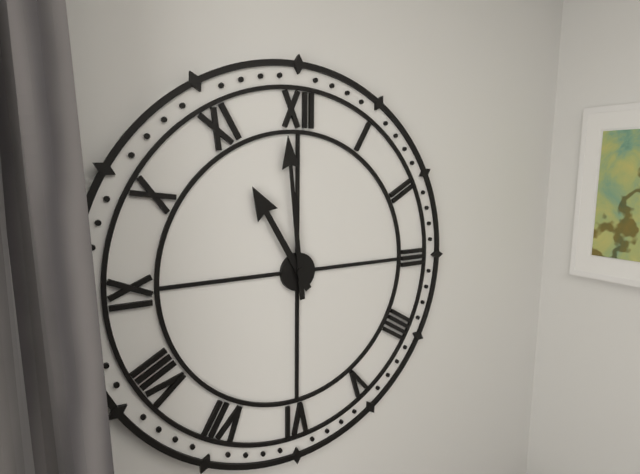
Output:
10.59
